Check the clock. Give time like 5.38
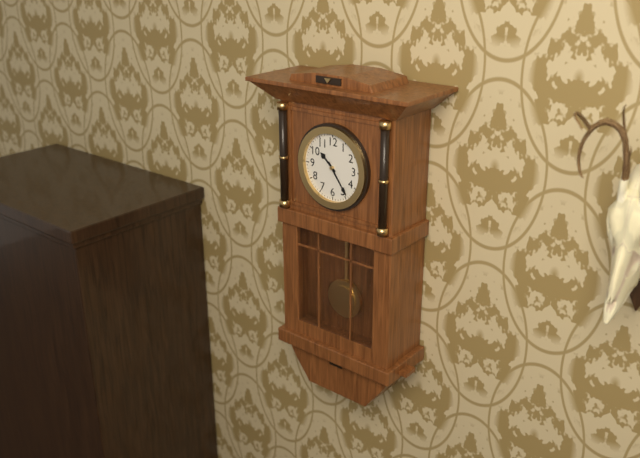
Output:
10.24
